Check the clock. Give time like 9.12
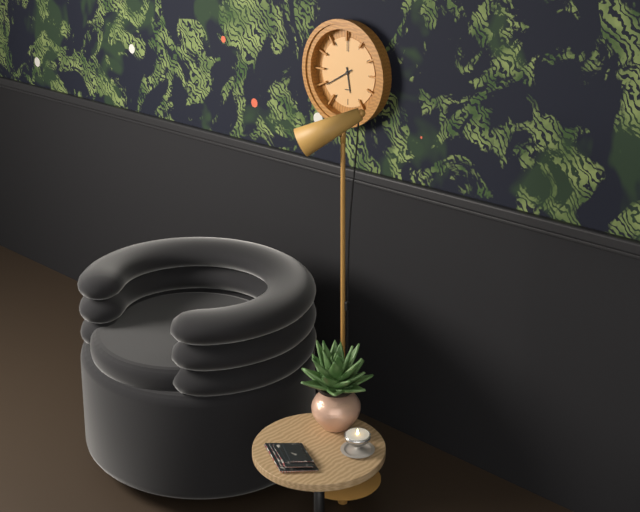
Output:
5.40
